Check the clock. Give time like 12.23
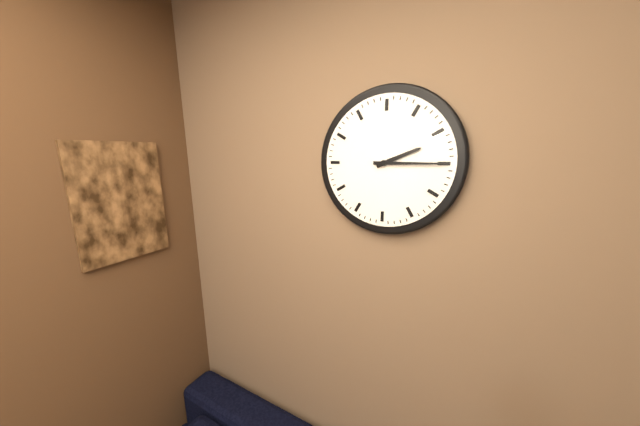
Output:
2.15
